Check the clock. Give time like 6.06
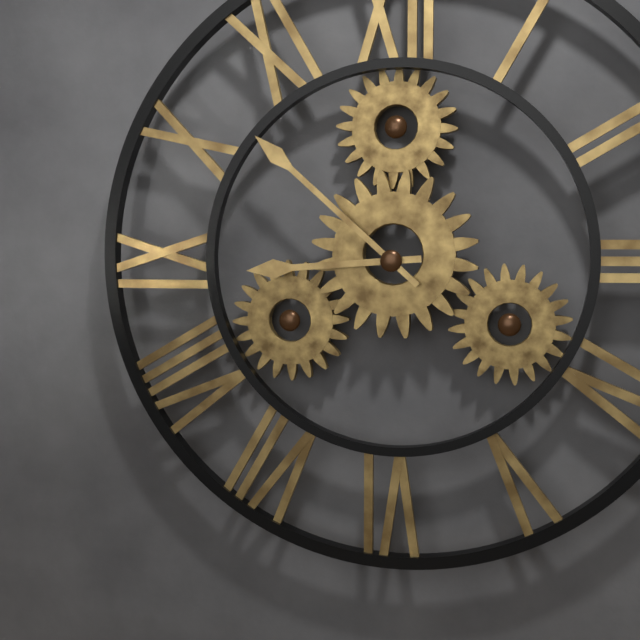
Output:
8.52
